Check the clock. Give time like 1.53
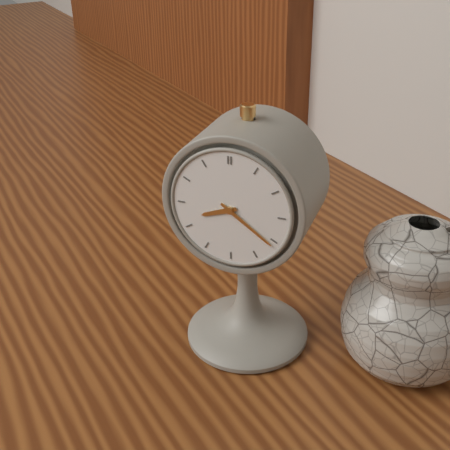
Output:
8.21
